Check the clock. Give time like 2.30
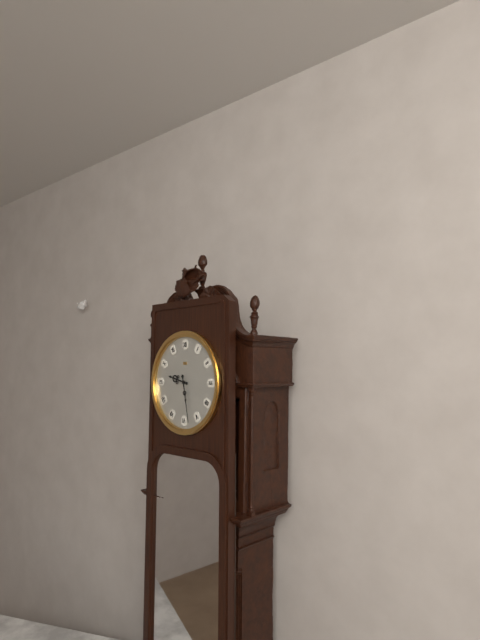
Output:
9.28
